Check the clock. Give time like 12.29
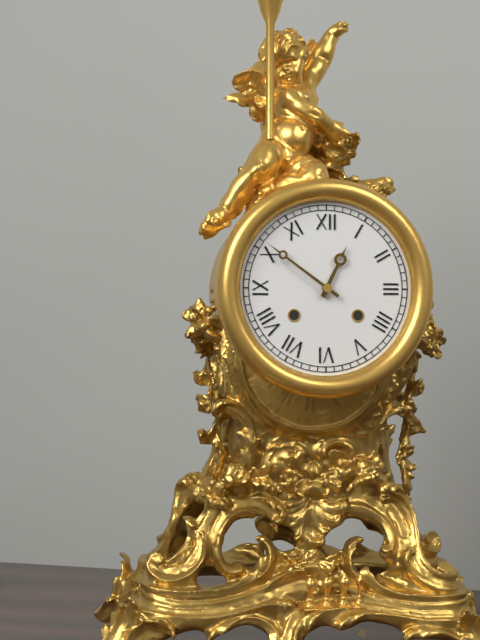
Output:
12.51
